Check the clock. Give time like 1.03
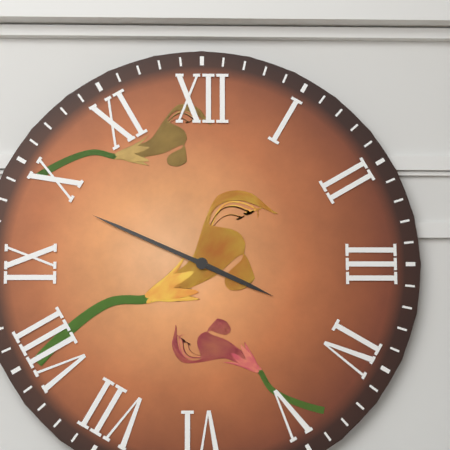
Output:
3.49
